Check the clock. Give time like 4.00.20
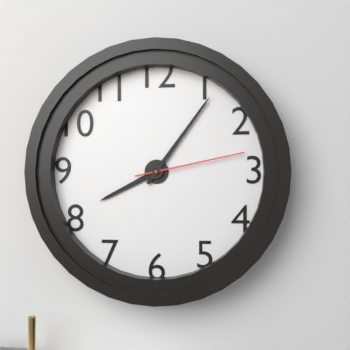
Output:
8.06.13
